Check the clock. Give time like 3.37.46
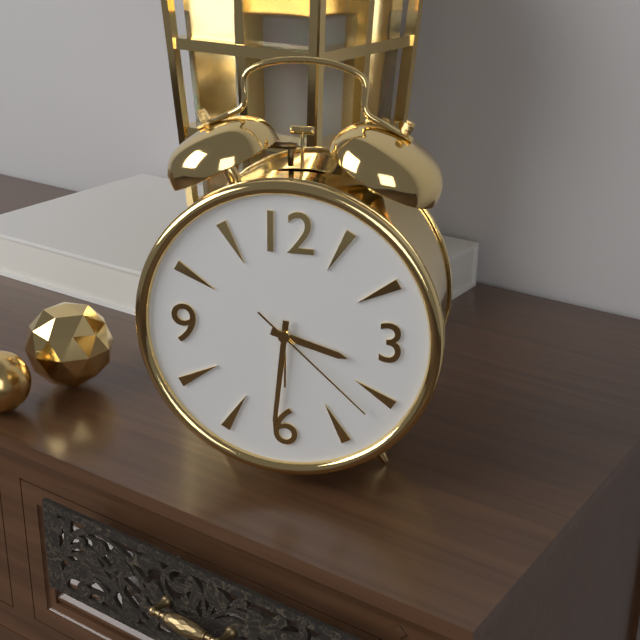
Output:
3.31.22
